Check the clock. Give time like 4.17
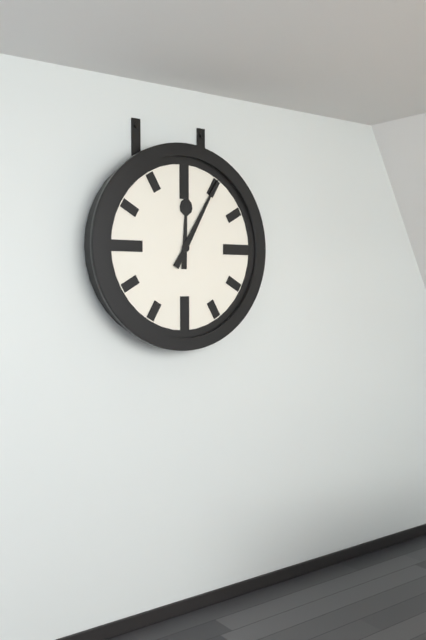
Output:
12.05
